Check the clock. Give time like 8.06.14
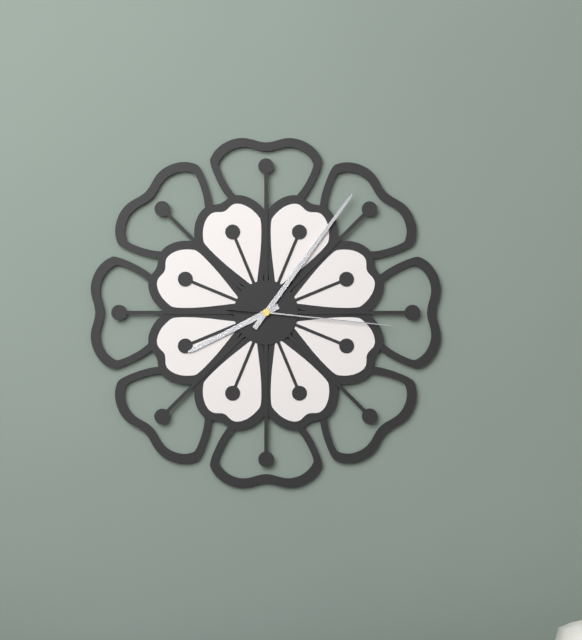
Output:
8.06.16
